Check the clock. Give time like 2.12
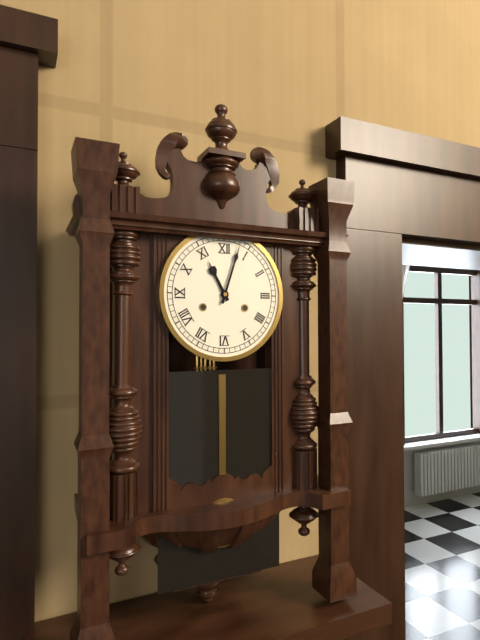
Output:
11.03
